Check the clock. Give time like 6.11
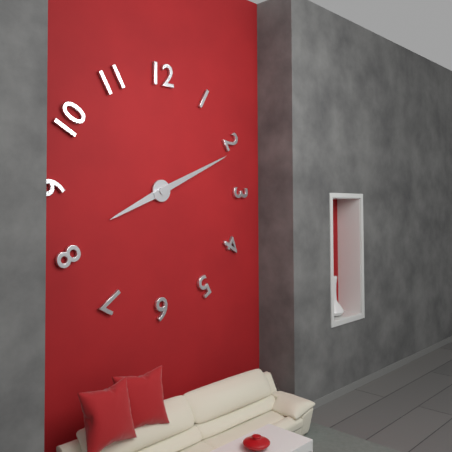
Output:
8.11
